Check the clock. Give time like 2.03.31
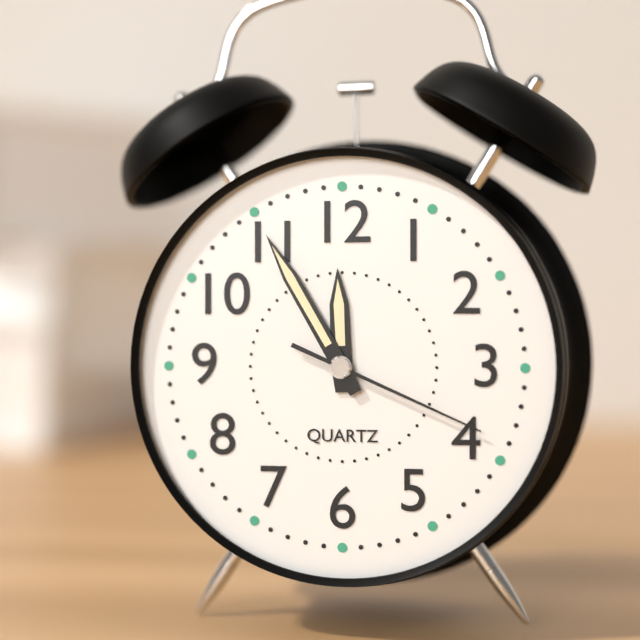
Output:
11.55.19
